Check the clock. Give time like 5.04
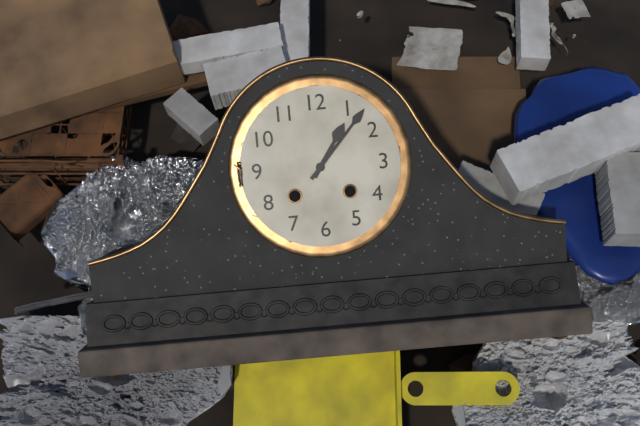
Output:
1.07
